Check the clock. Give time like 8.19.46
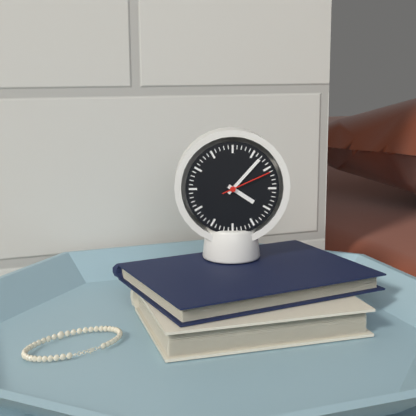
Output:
4.07.11
